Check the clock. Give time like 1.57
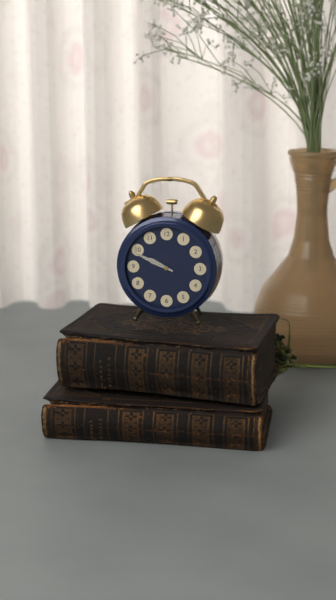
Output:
9.49
